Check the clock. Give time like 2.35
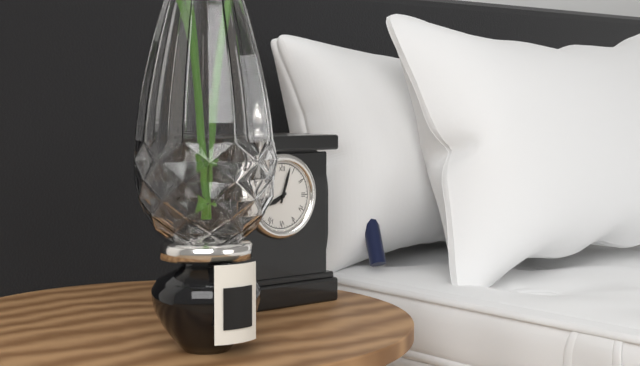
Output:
8.03
